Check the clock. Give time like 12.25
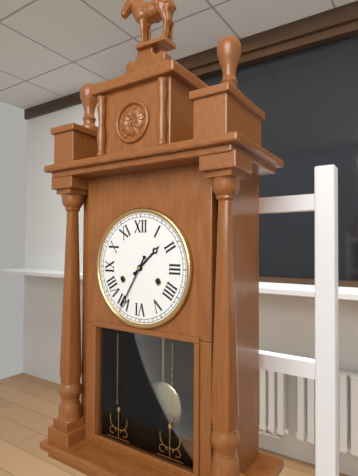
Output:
1.35
